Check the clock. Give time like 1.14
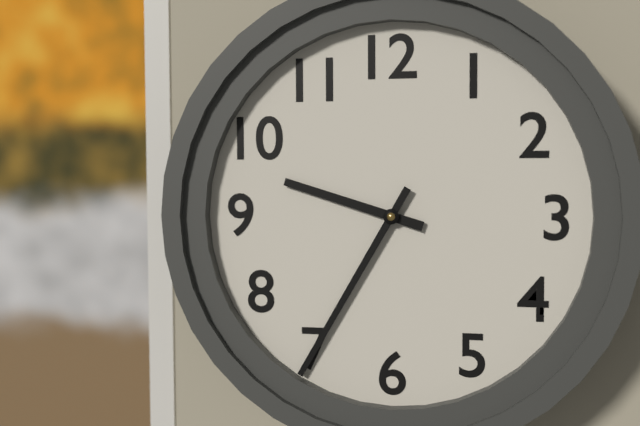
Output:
9.35
